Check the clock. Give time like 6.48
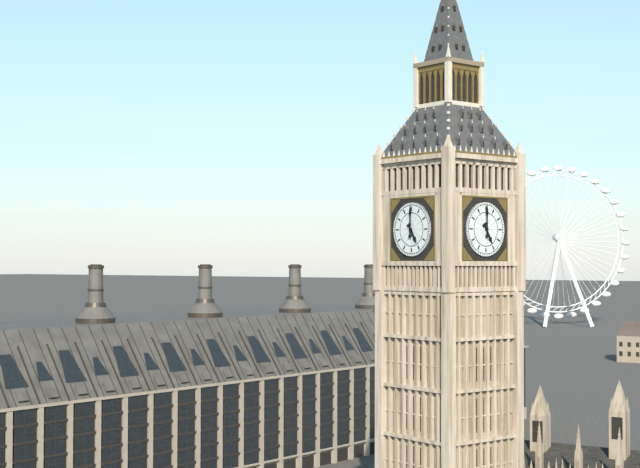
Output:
5.00
